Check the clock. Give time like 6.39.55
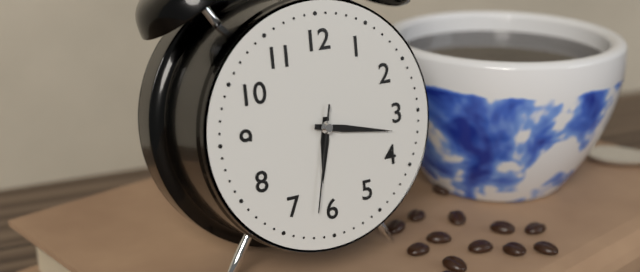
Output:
6.17.32
